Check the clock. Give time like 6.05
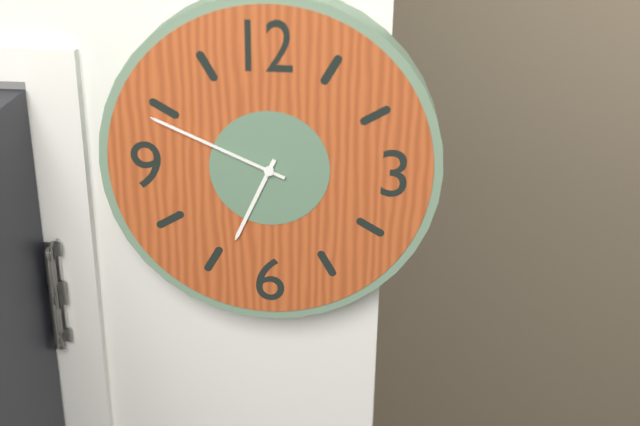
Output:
6.49
